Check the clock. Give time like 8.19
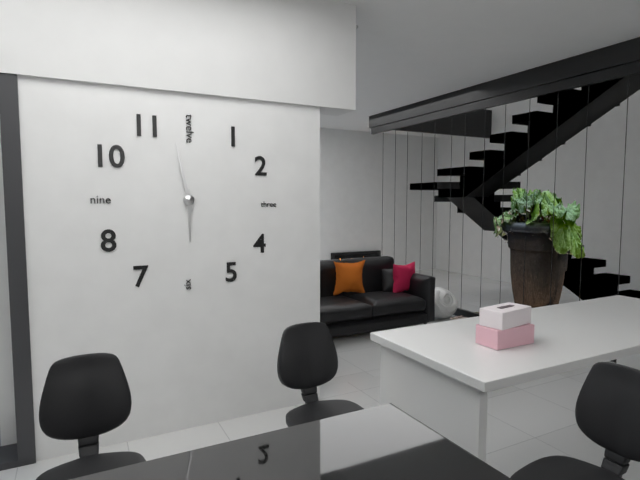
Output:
5.58
